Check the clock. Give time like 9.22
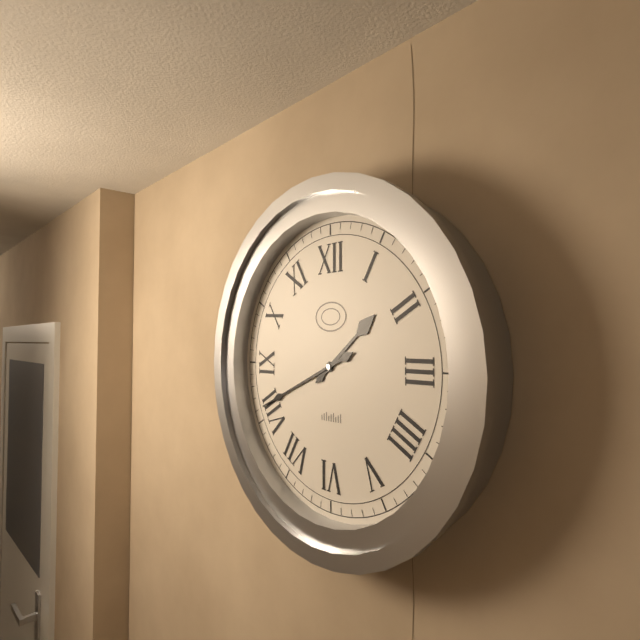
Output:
1.41
